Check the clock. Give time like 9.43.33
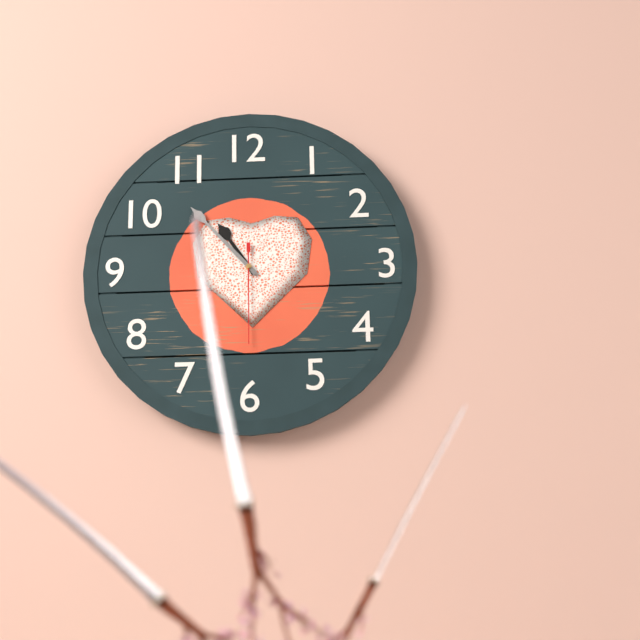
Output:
10.53.30
